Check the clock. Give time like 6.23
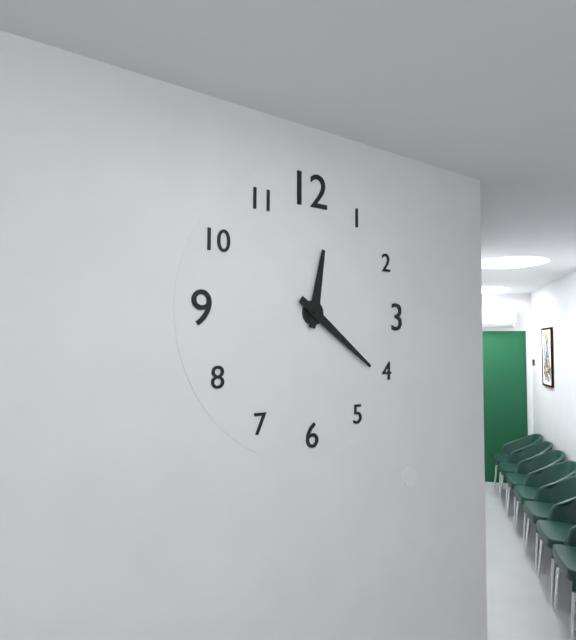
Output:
12.21
